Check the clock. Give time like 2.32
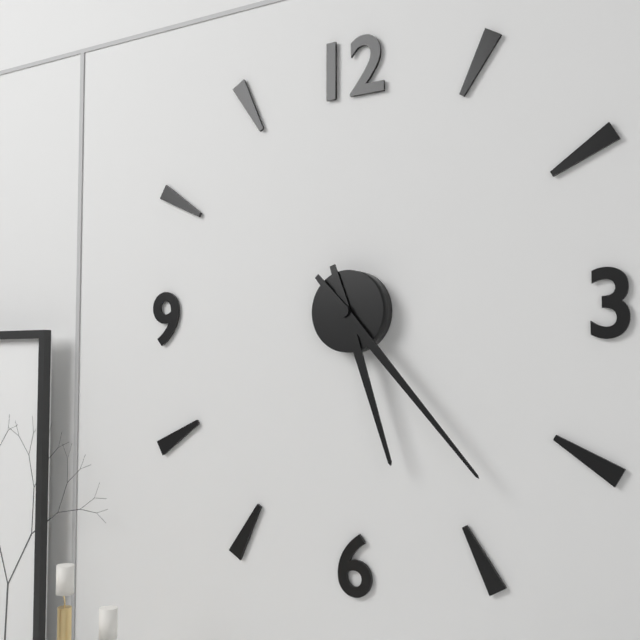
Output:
5.23
